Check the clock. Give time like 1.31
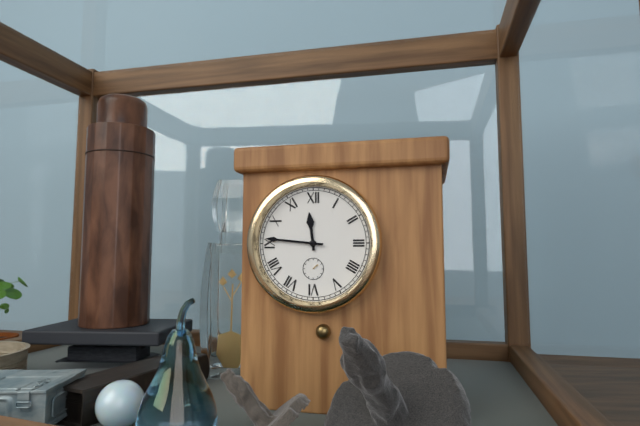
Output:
11.46
